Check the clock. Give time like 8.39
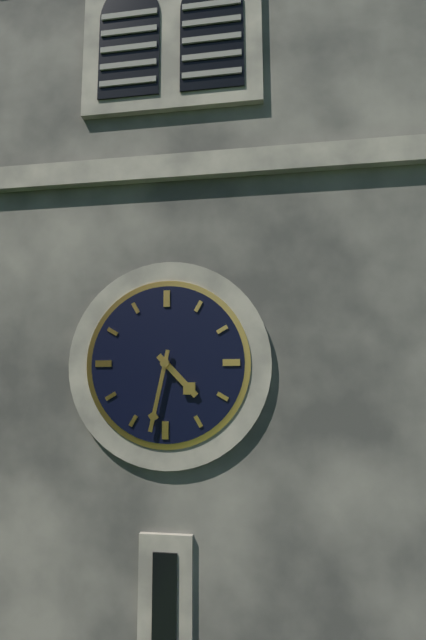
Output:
4.32
